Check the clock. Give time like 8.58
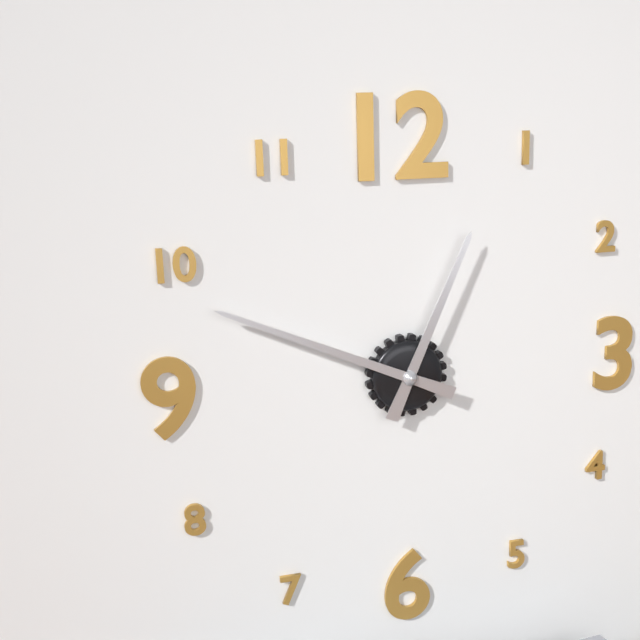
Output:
12.49
